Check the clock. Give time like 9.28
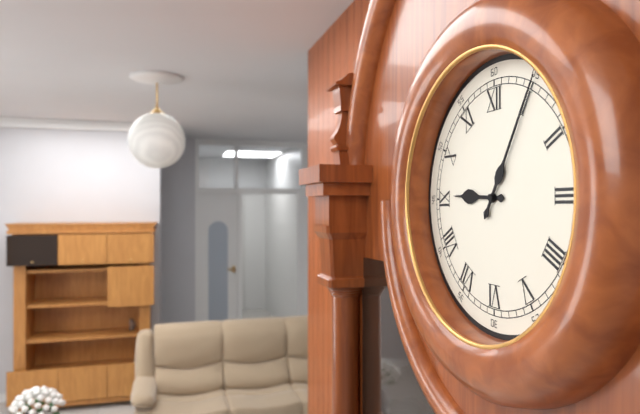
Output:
9.05
